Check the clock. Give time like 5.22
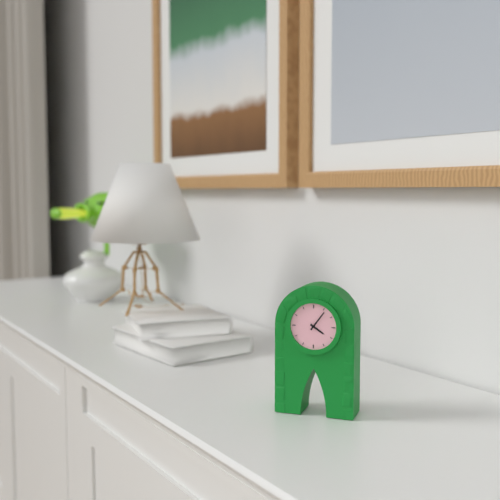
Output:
4.06
